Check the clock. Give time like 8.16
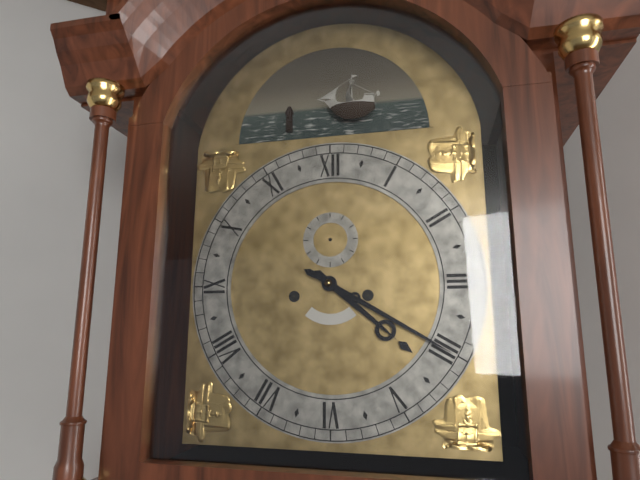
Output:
4.20
